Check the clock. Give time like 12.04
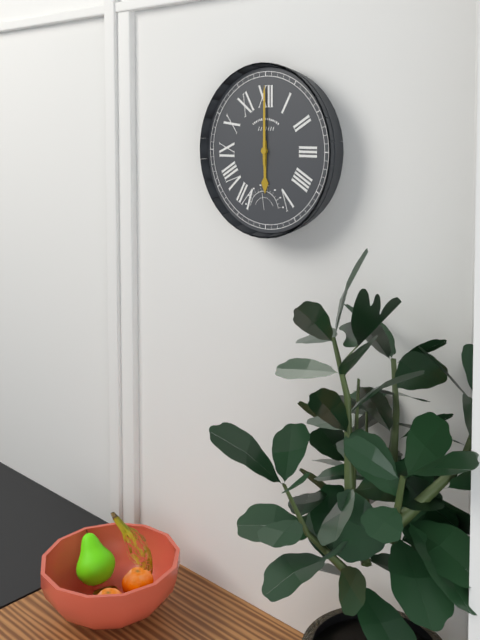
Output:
6.00
